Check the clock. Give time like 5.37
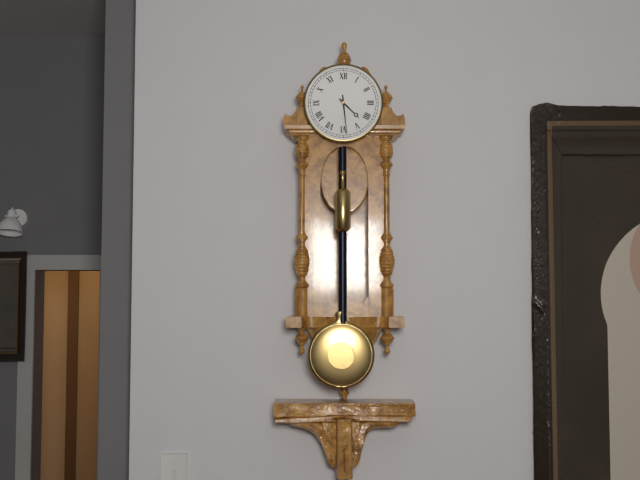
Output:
4.29
